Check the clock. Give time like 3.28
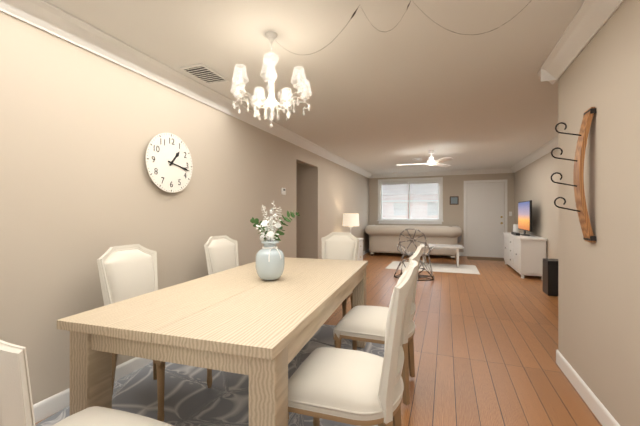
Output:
1.17
